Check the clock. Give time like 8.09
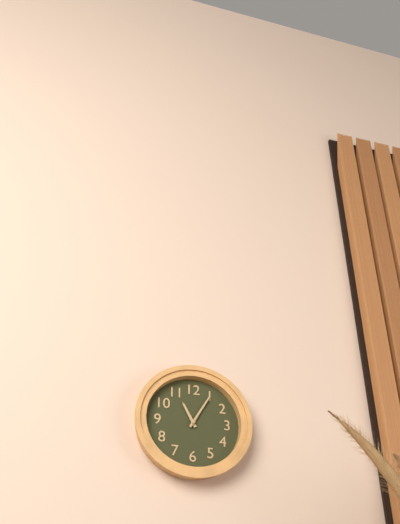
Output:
11.05
